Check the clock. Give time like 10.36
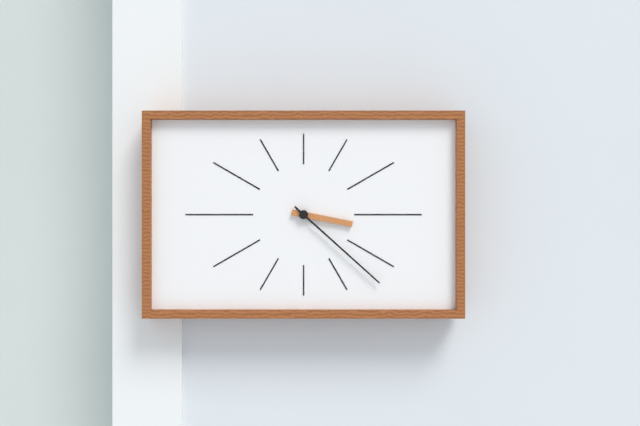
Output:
3.22
